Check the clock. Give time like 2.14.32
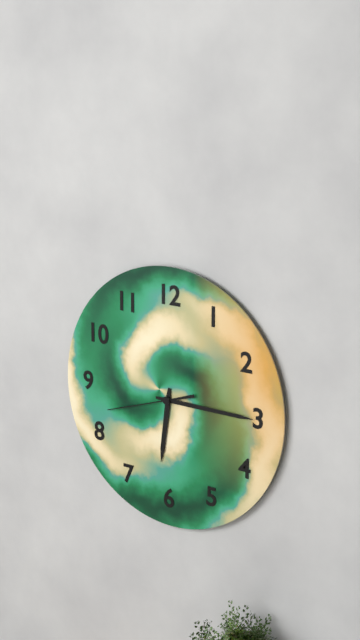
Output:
6.15.42
